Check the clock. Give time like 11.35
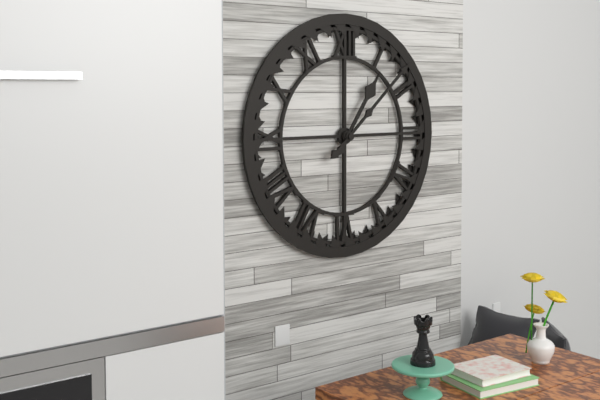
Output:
1.08
